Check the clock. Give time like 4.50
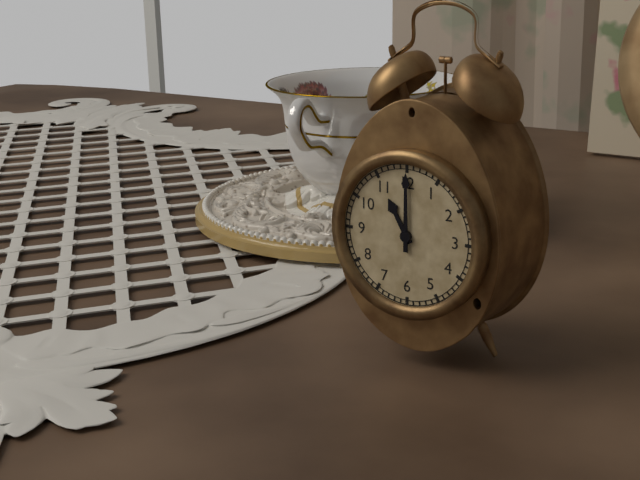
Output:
11.00
